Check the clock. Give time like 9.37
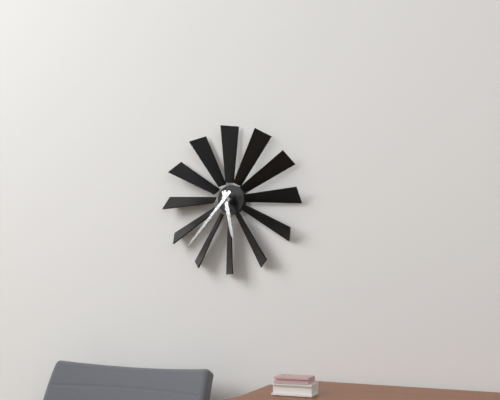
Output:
5.37
